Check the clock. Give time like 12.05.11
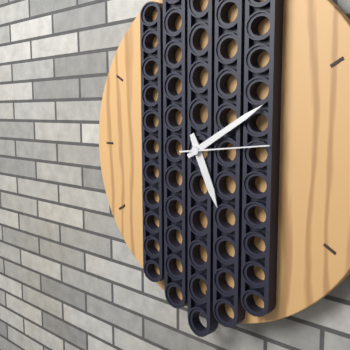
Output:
5.10.14
